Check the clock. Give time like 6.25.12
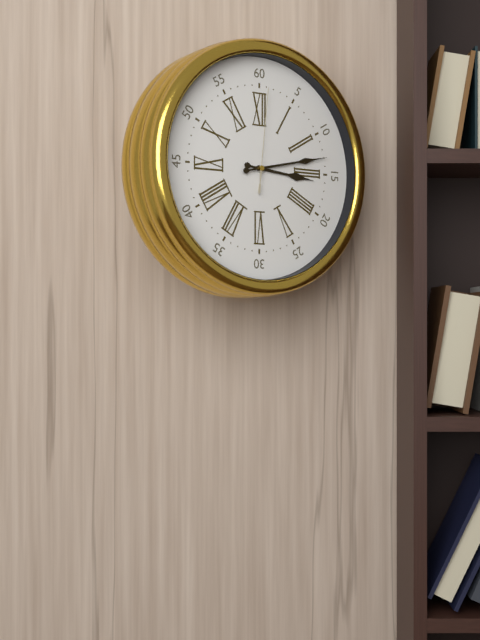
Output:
3.13.01
